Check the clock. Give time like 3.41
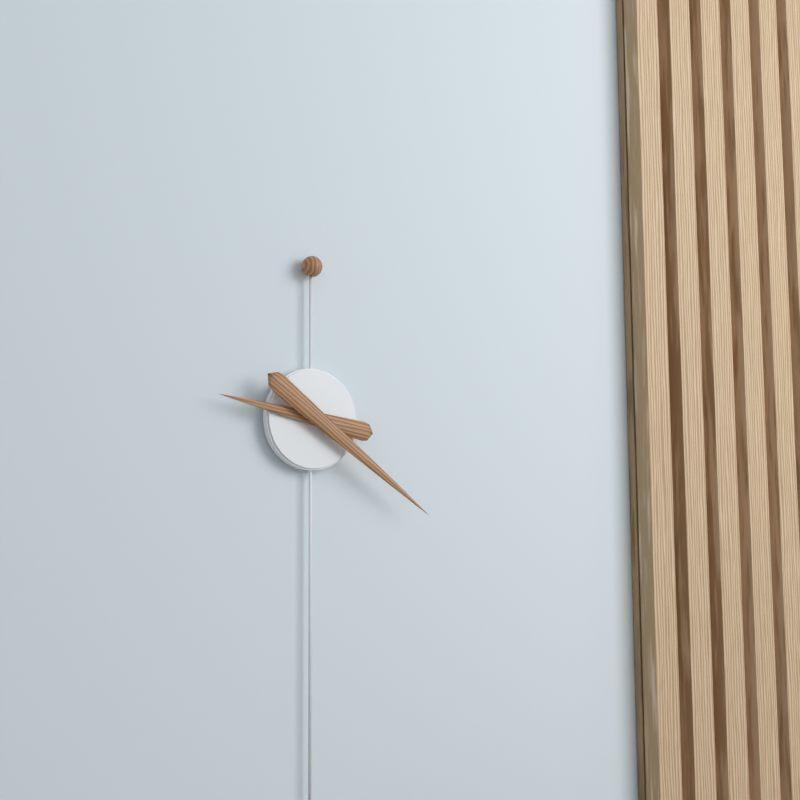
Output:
9.21
